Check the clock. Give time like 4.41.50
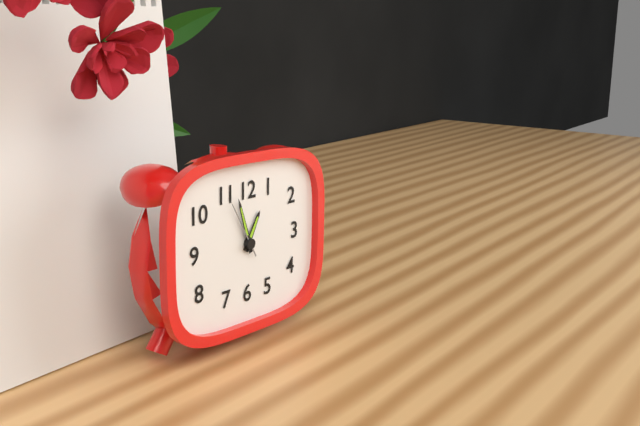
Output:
12.57.55
